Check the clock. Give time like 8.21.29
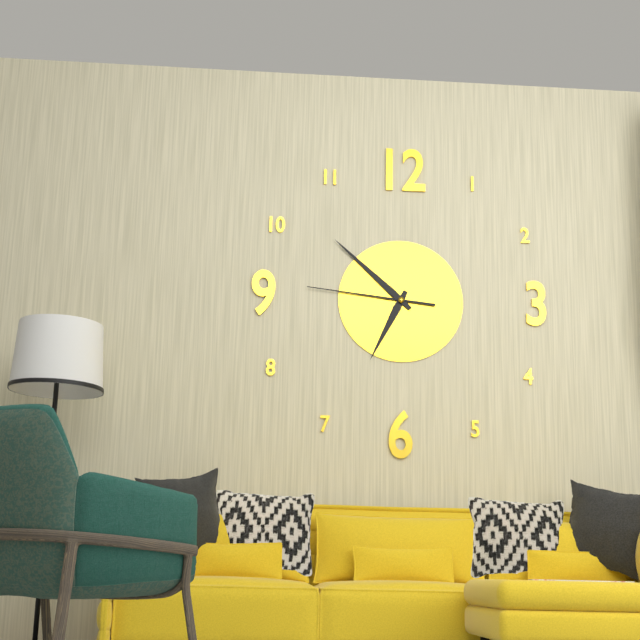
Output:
6.52.46
